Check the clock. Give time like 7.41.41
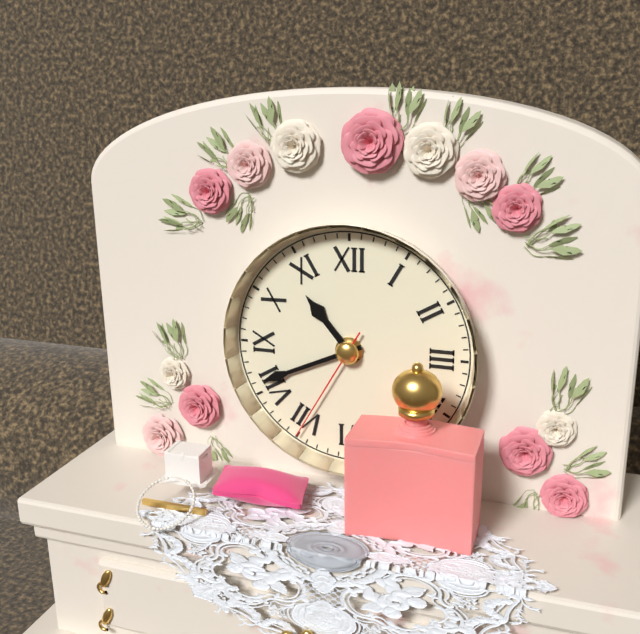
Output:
10.41.35
